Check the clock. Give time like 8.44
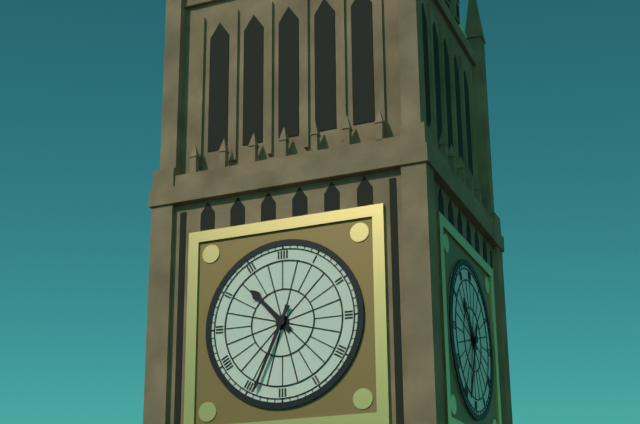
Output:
10.34
